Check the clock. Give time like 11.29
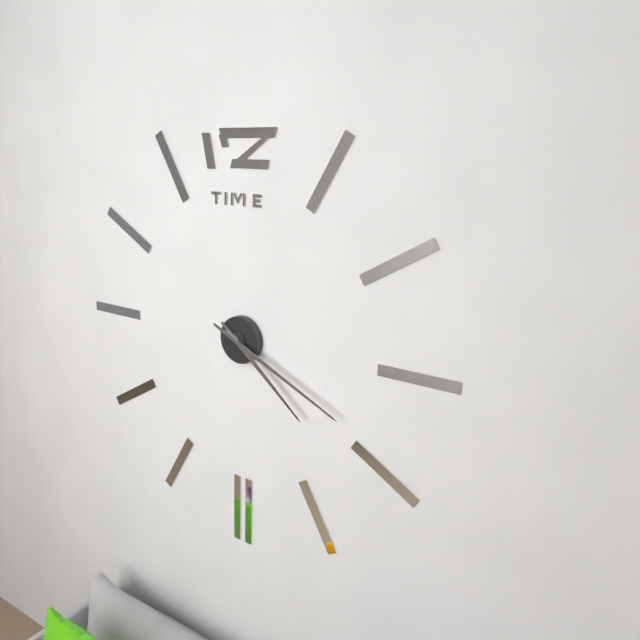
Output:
4.19
